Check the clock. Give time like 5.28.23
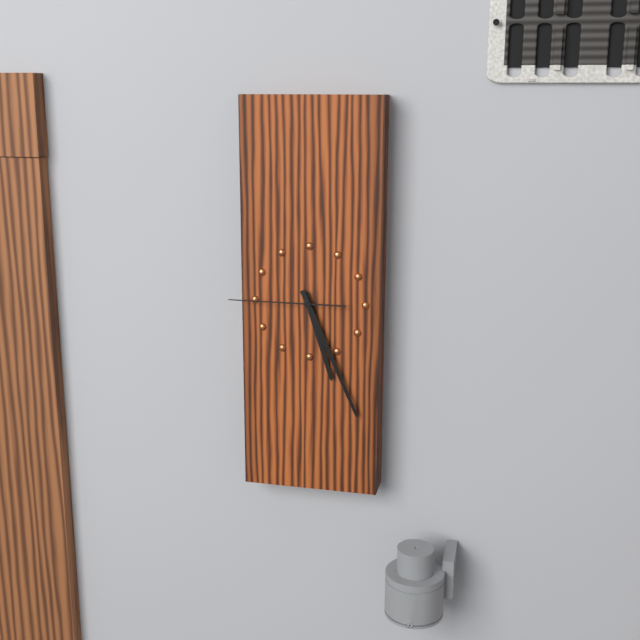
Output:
5.26.45
